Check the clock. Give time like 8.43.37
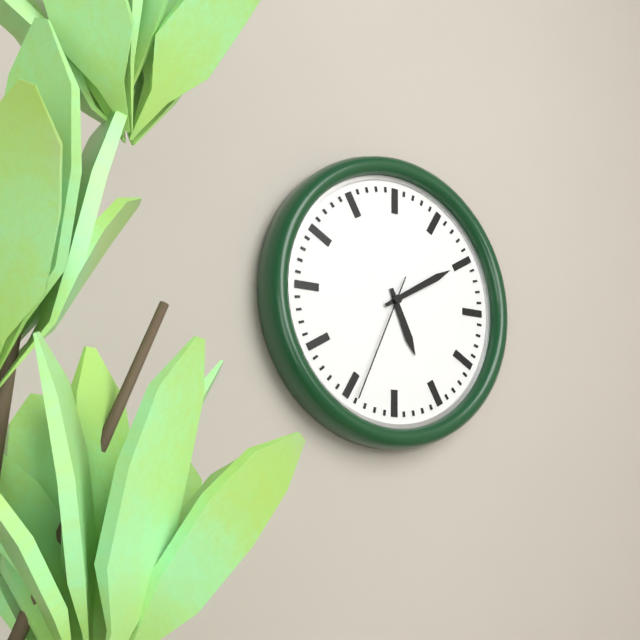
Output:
5.10.34
